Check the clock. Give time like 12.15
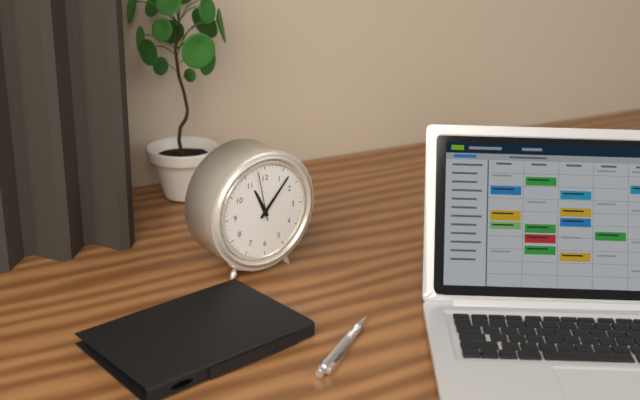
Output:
11.07
